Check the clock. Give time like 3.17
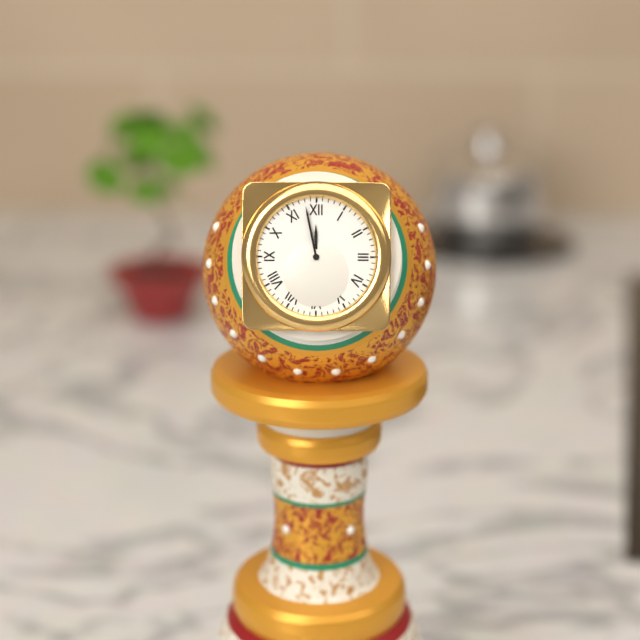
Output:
11.58
